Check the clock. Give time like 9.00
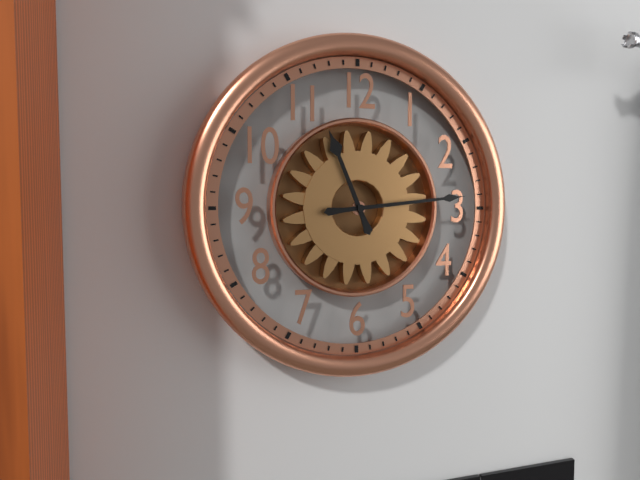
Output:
11.14
